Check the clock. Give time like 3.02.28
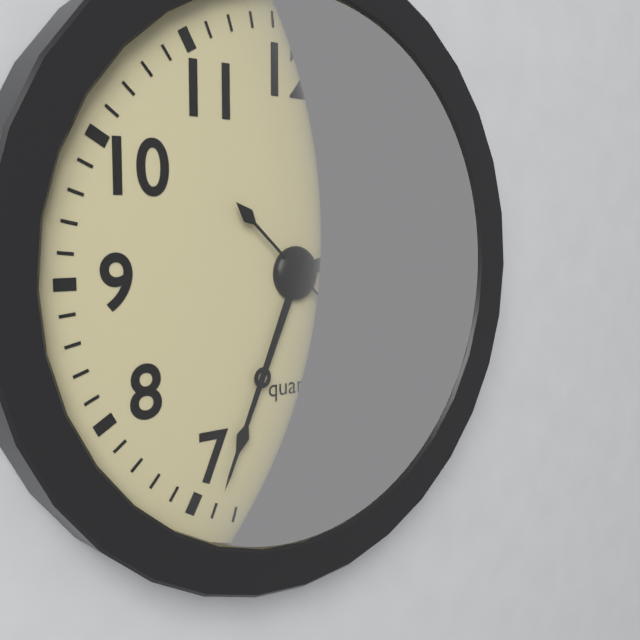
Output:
2.34.22
